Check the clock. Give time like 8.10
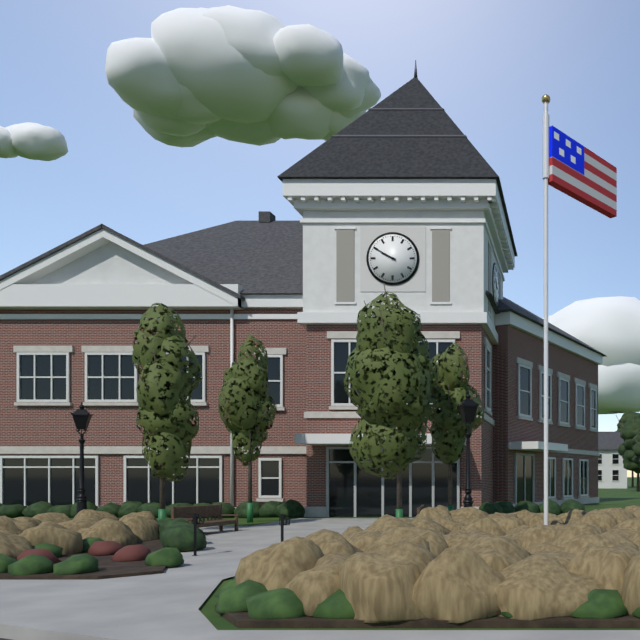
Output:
9.50
